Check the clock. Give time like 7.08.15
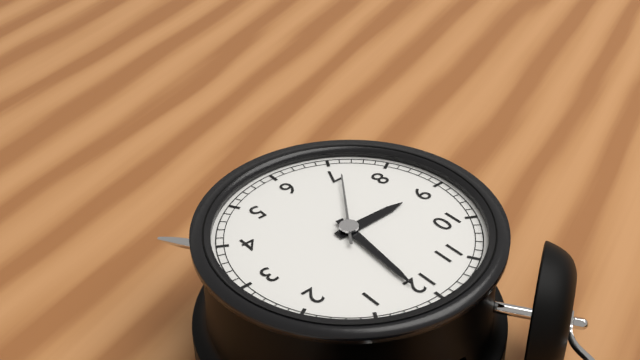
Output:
9.01.36
